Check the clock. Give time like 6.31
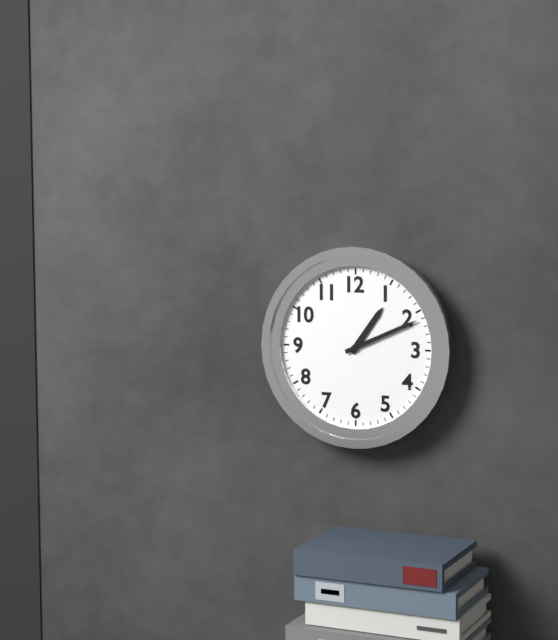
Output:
1.11
